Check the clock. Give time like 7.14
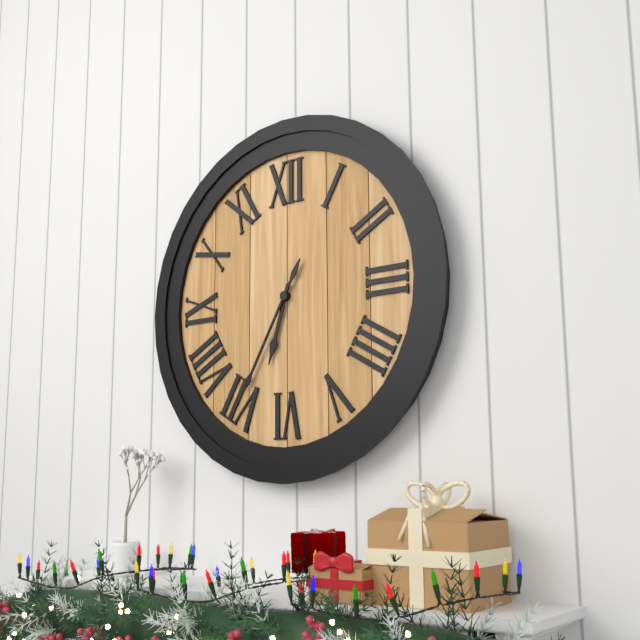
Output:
6.35
